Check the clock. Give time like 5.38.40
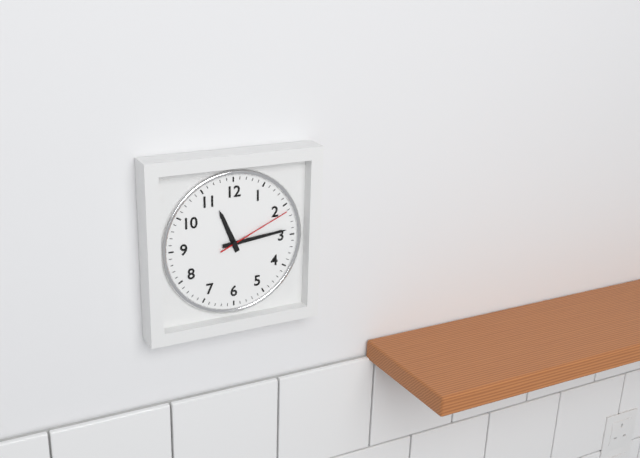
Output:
11.14.11
